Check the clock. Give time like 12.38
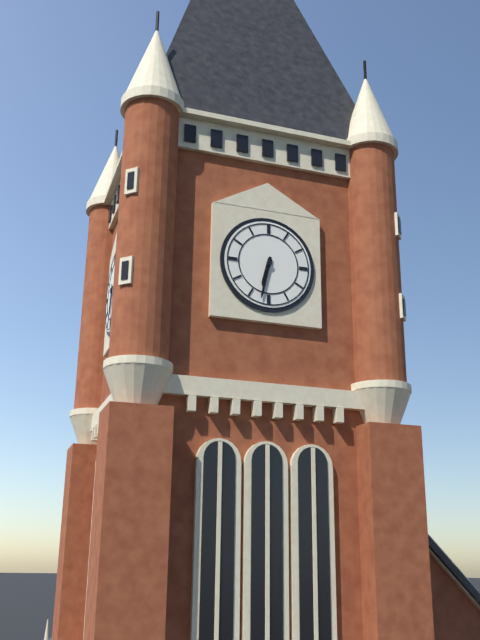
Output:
6.32
